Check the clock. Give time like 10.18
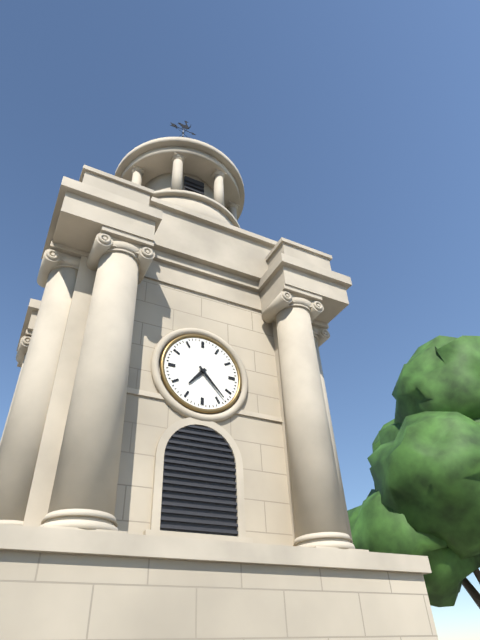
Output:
7.23
